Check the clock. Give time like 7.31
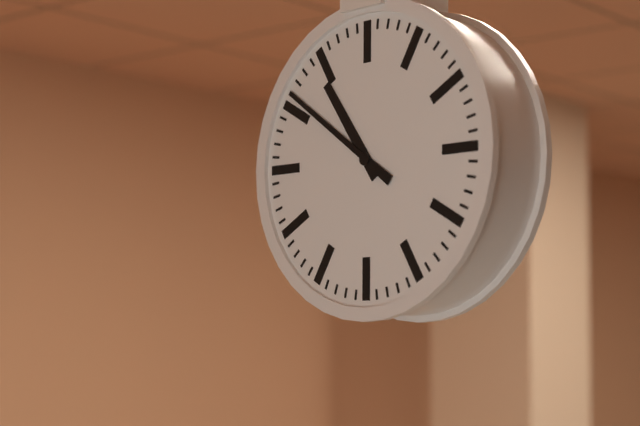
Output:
10.51
